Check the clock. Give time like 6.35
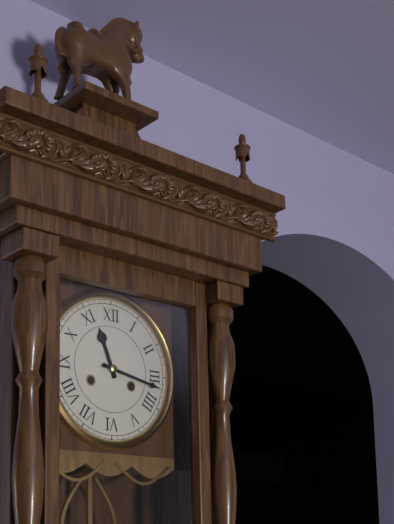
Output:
11.17
